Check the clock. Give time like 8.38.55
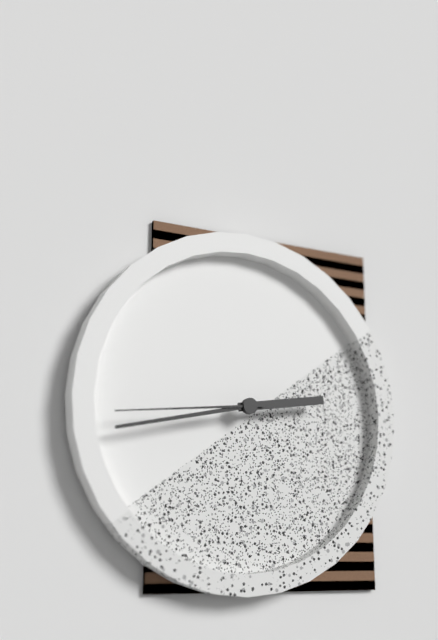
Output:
2.43.44
